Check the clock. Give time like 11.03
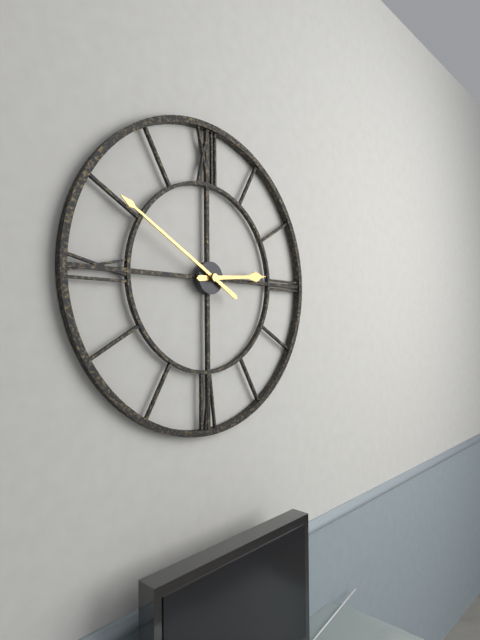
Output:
2.50
